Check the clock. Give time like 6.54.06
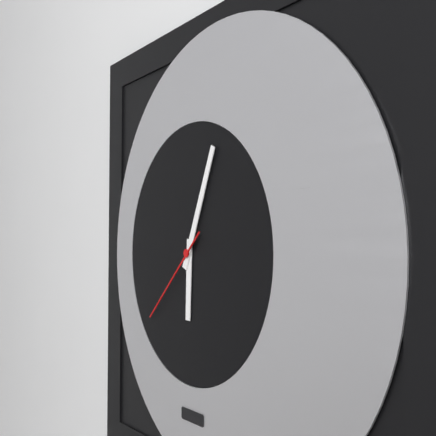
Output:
6.04.38
